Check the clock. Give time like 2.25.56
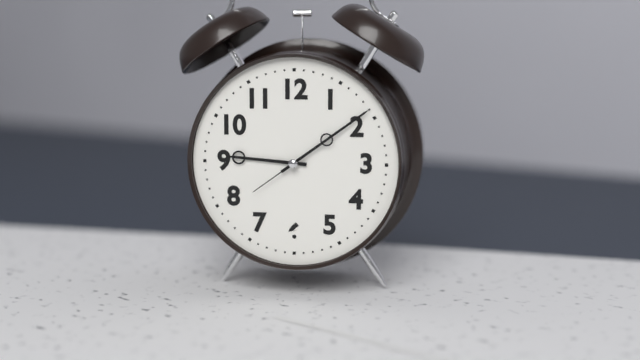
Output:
9.09.39
